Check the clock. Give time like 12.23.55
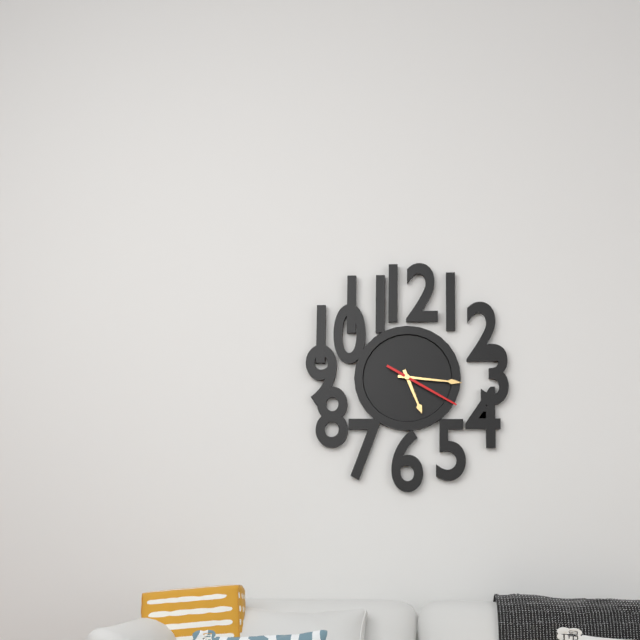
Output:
5.16.20
